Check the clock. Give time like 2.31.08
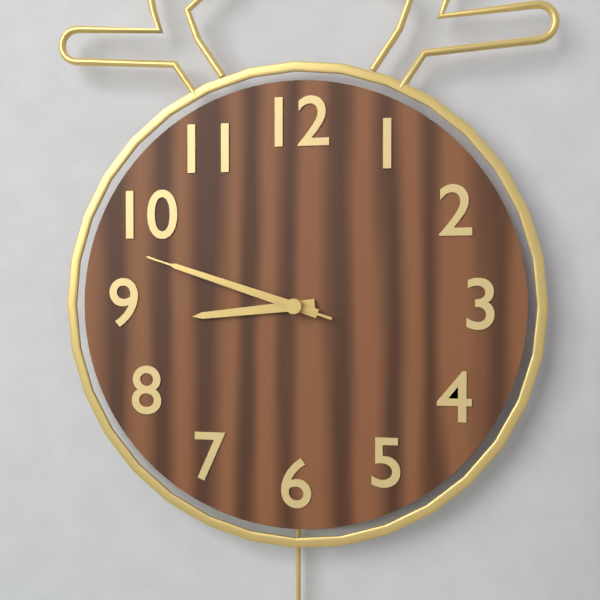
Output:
8.48.48
